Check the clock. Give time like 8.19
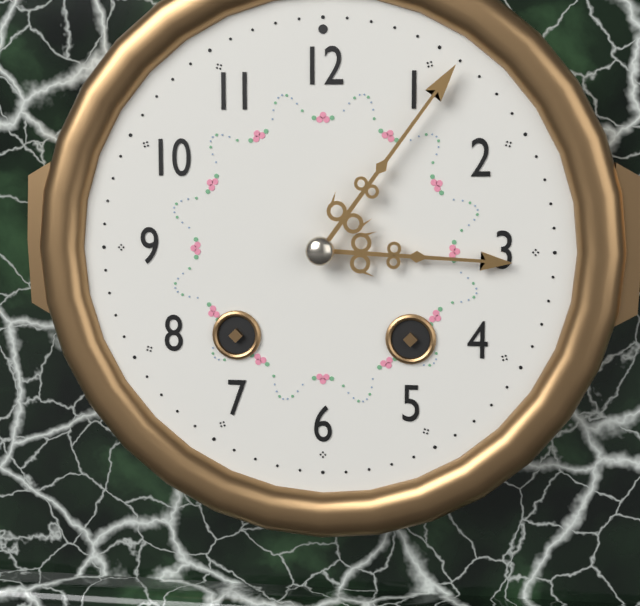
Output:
3.06
